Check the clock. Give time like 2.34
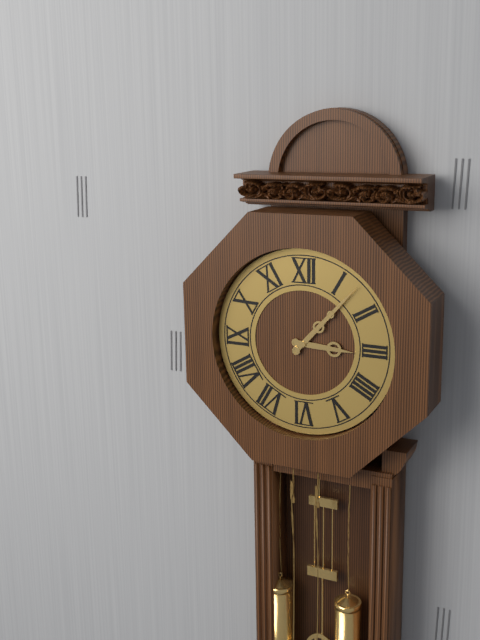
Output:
3.07
